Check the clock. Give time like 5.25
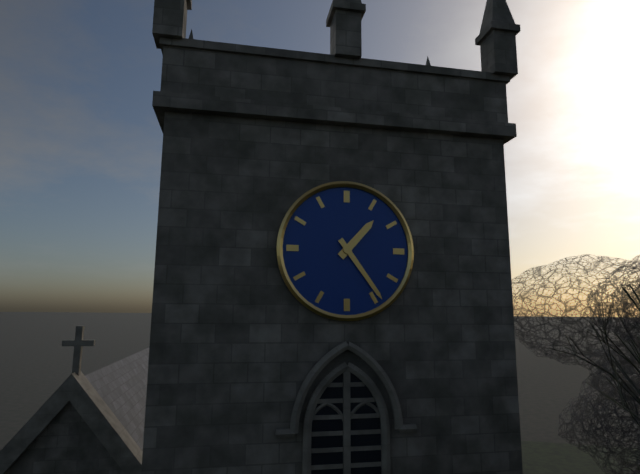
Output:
1.24
